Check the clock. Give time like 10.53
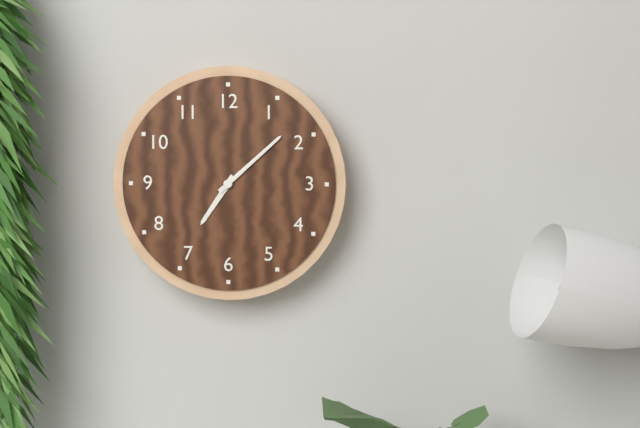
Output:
7.08
